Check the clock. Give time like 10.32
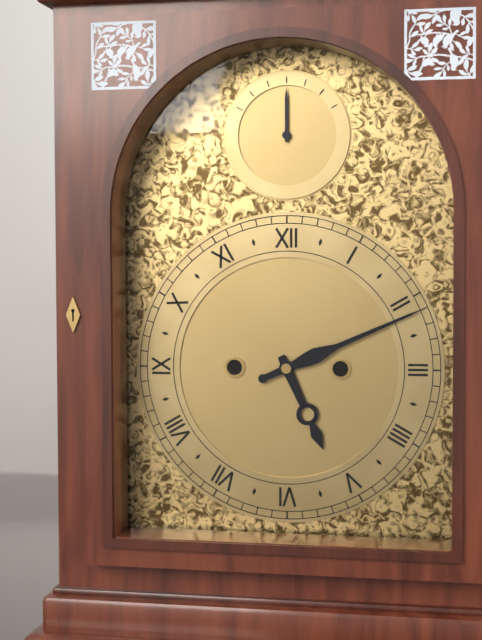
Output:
5.11
